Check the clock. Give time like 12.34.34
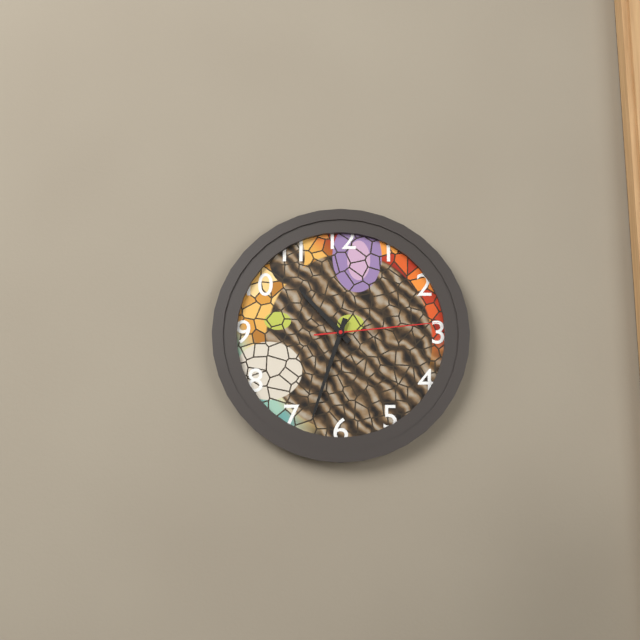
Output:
10.33.14
